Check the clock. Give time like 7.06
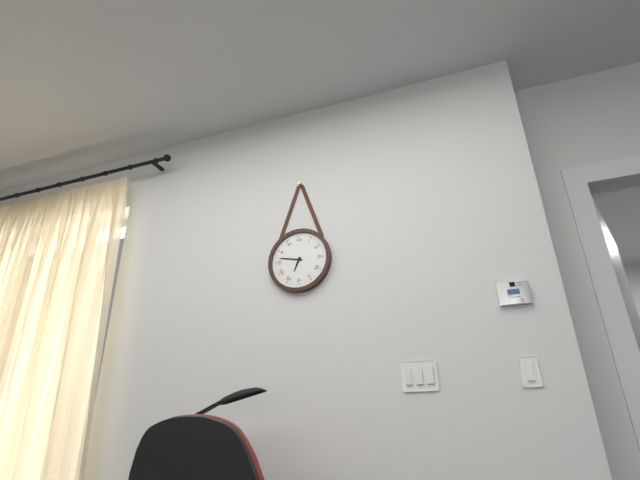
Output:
6.47
